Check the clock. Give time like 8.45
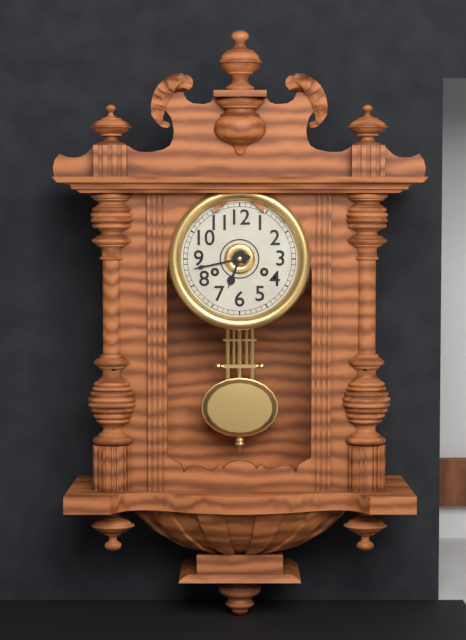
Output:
6.43
